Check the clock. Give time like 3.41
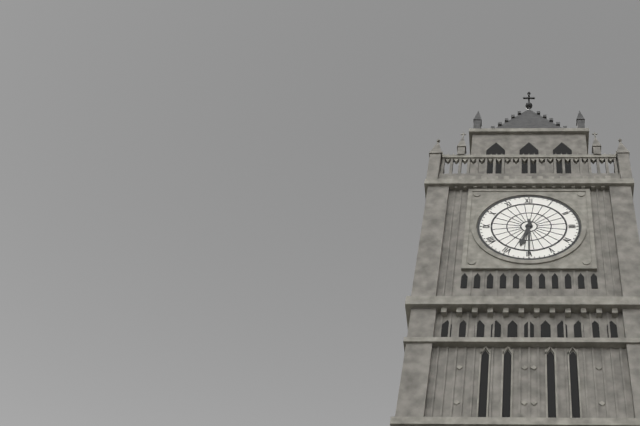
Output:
6.30
